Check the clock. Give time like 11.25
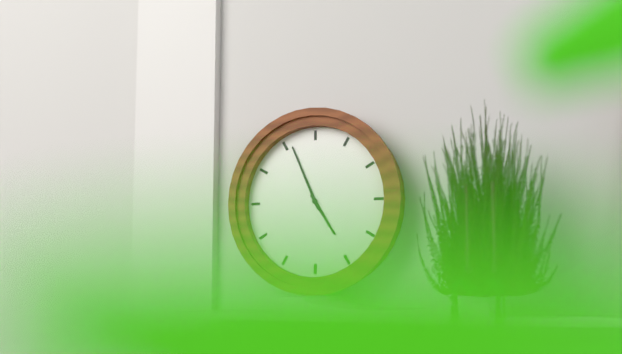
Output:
4.56
